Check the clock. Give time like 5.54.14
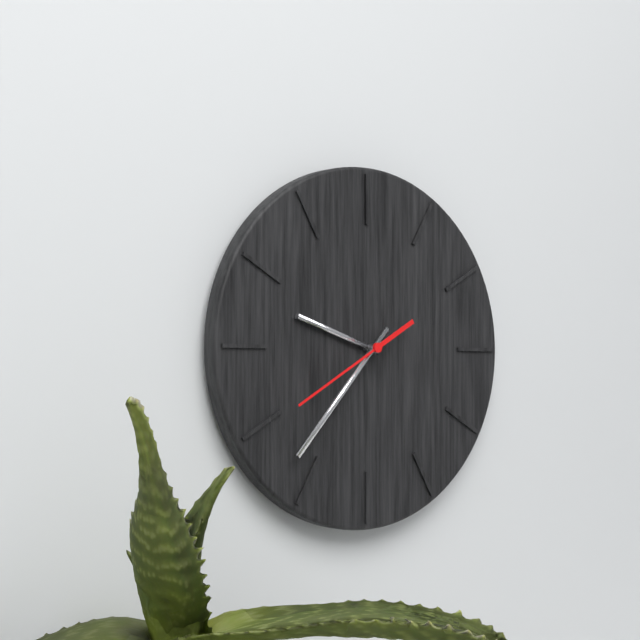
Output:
9.37.40
